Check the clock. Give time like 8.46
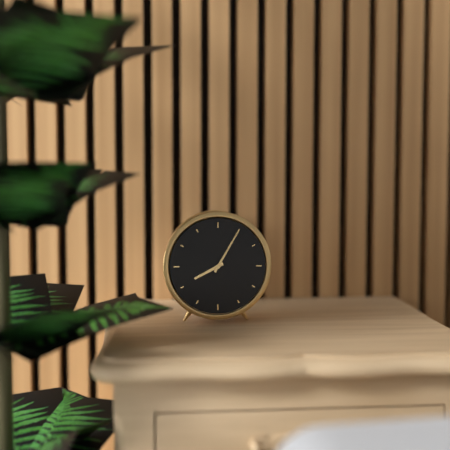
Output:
8.05
